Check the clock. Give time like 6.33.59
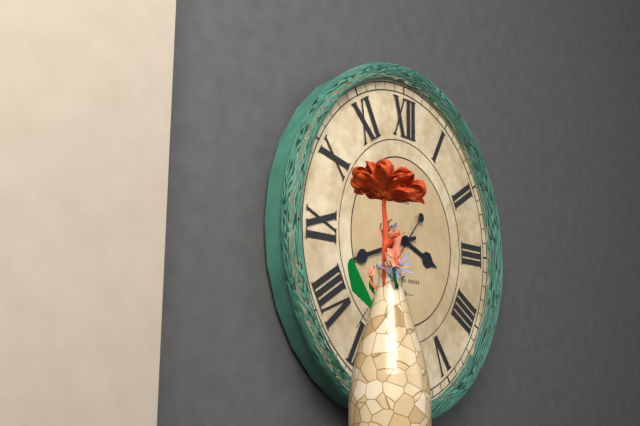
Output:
3.42.37
